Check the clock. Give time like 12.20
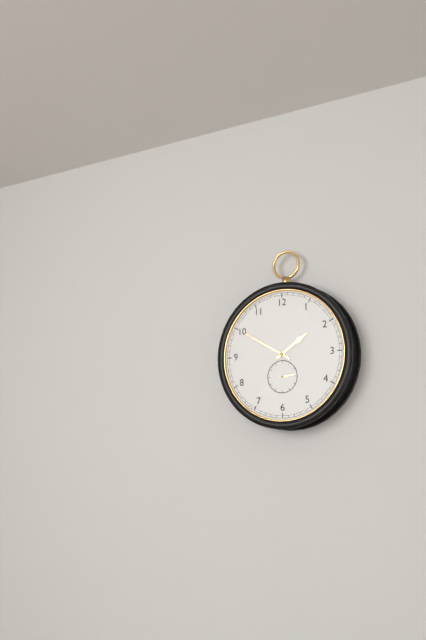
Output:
1.50
